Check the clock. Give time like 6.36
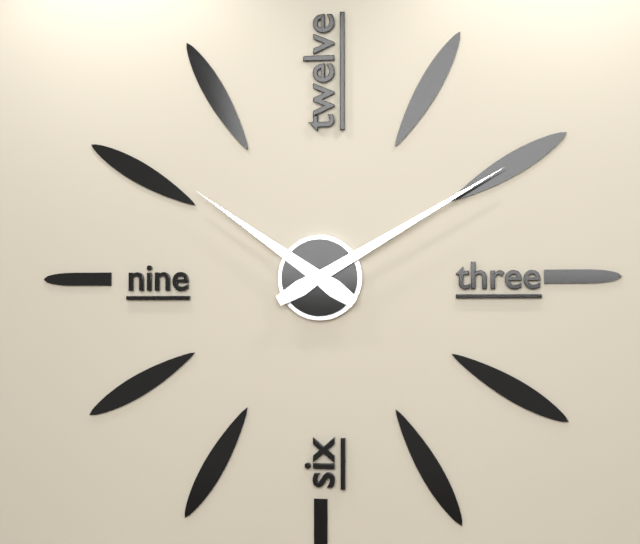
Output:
10.10
